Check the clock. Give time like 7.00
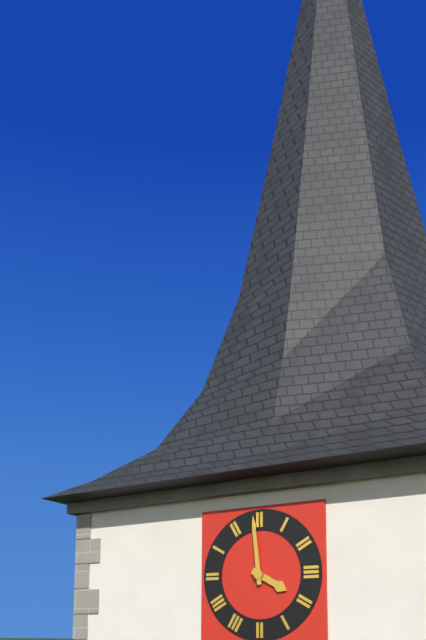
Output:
3.59
